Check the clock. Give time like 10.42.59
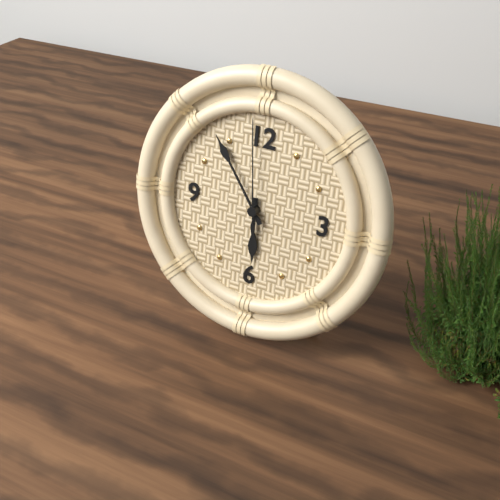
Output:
5.54.59
